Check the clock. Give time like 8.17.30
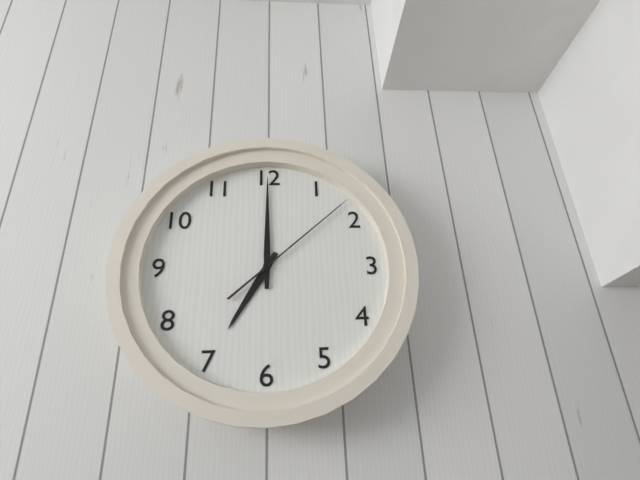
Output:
7.00.08
